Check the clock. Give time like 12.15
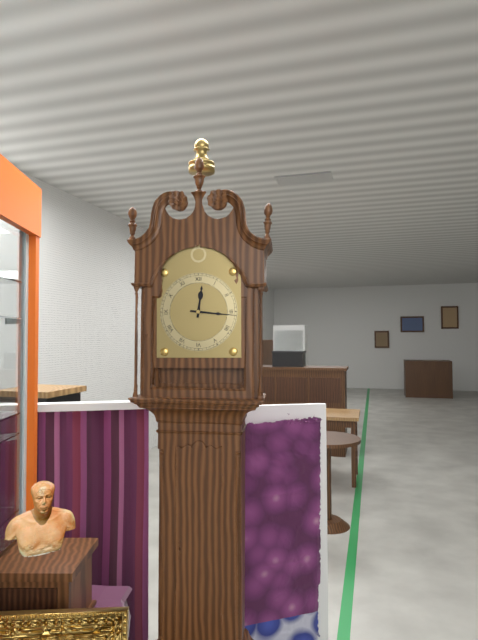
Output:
12.16
